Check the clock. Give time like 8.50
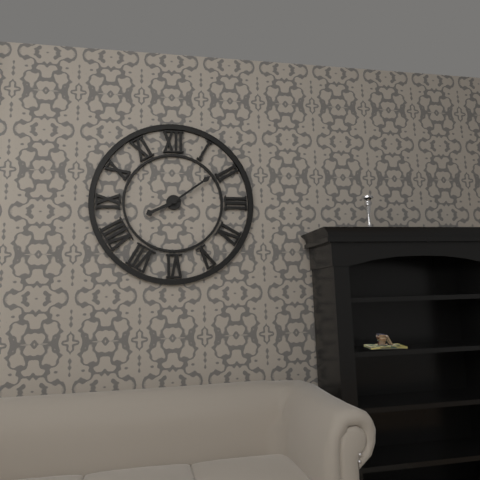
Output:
8.09
